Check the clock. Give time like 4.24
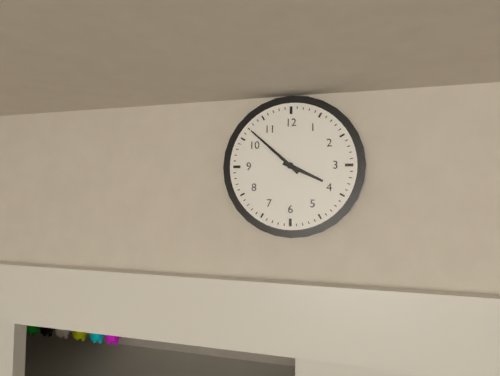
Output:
3.52
